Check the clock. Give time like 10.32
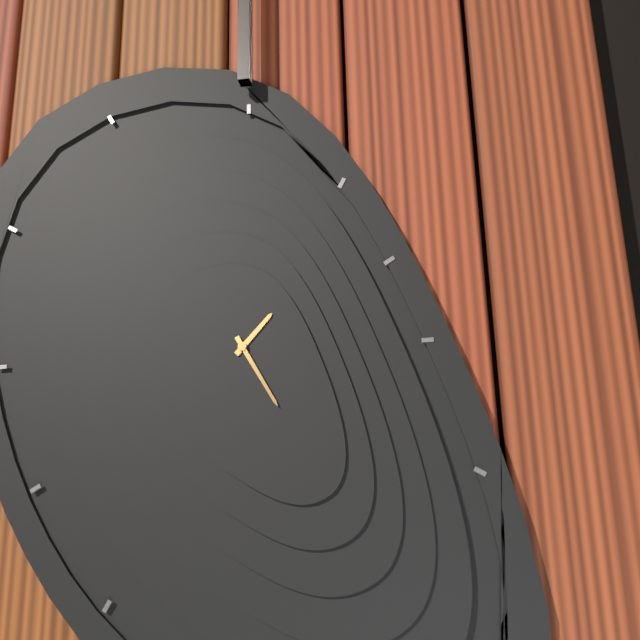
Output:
1.25
